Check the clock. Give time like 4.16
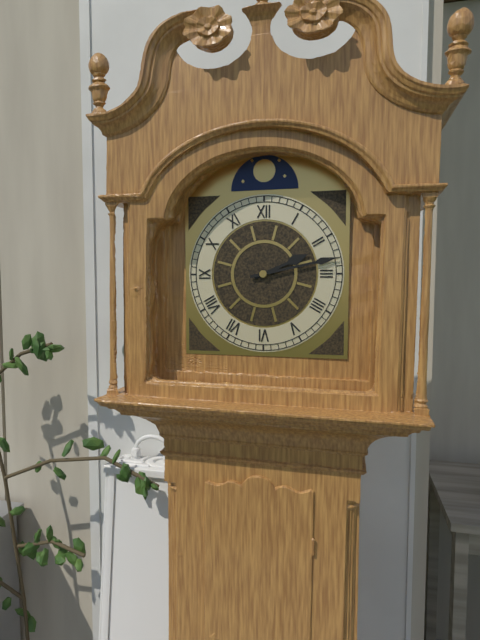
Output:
2.13
